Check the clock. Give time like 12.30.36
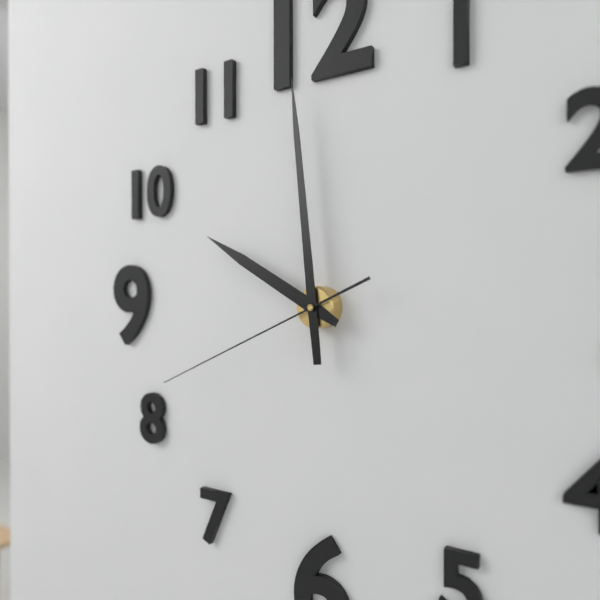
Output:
9.59.41
